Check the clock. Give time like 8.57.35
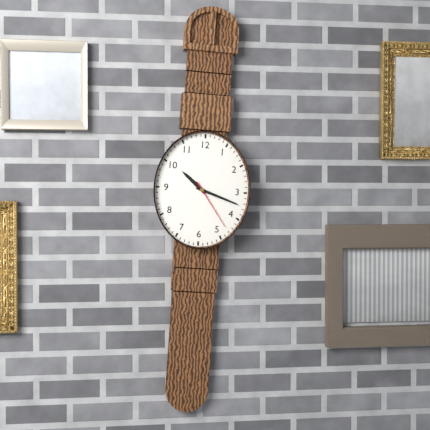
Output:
10.18.24
